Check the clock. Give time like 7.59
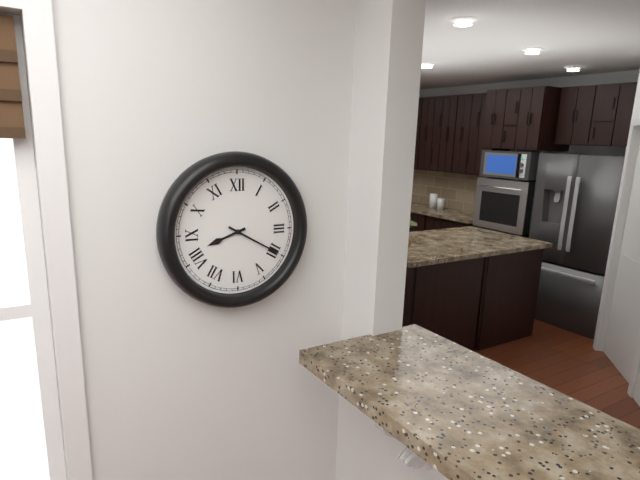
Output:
8.20
